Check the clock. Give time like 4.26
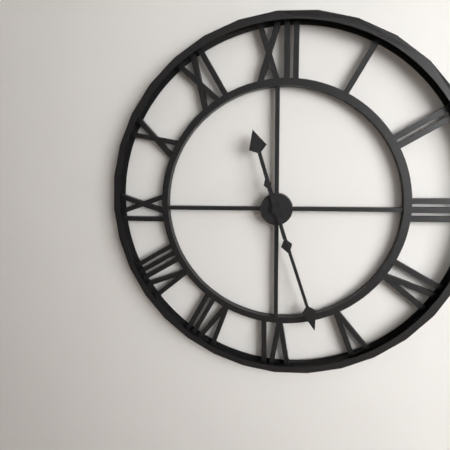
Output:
11.27
